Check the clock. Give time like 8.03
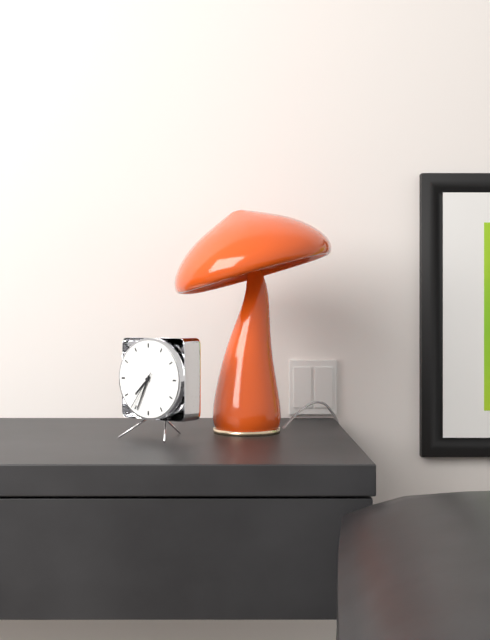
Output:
7.34
